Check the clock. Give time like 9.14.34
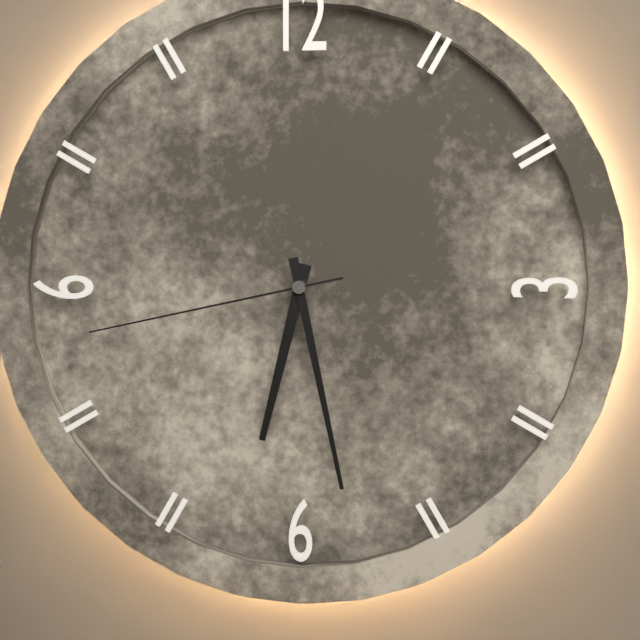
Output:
6.28.43
